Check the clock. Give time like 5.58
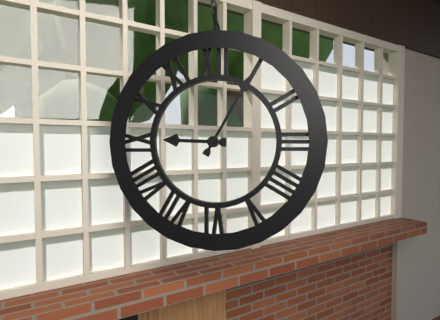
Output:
9.05
